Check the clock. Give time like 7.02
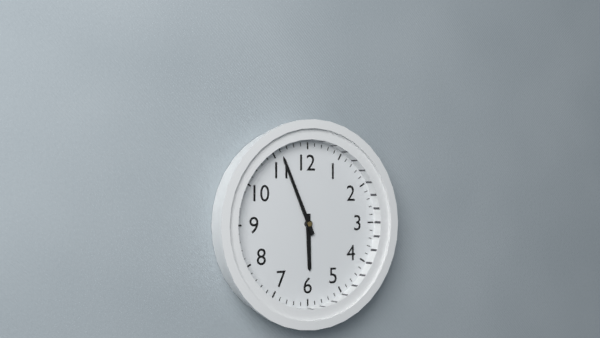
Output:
5.56
